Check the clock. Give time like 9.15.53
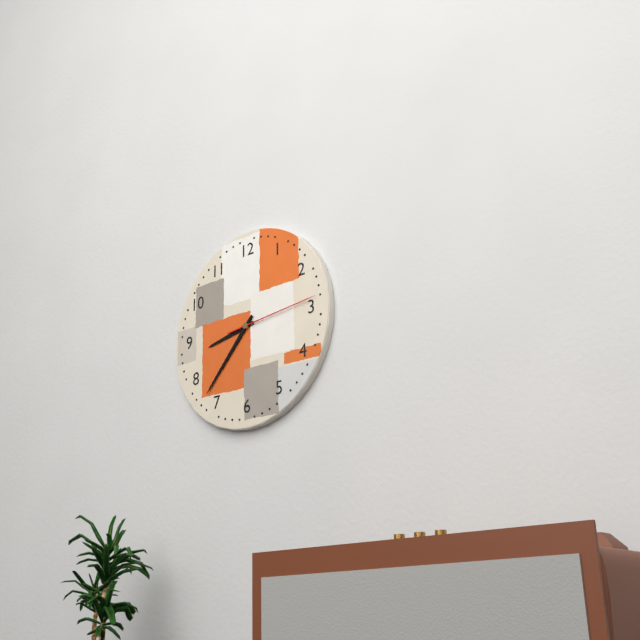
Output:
8.37.14
